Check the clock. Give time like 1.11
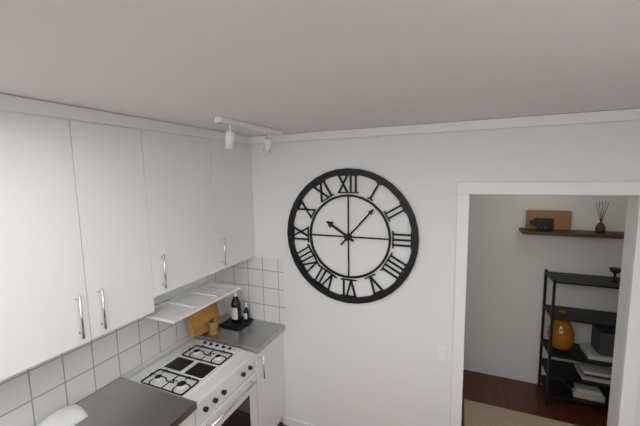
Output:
10.07
